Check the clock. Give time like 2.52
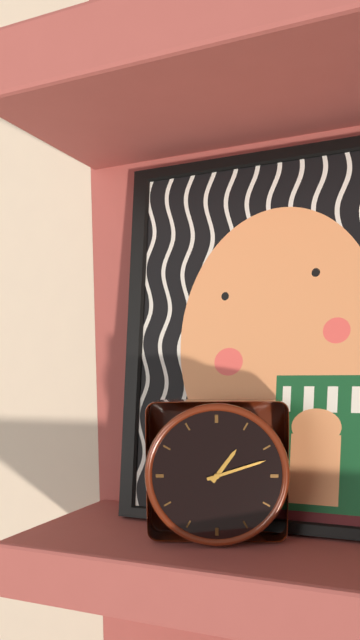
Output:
1.12
